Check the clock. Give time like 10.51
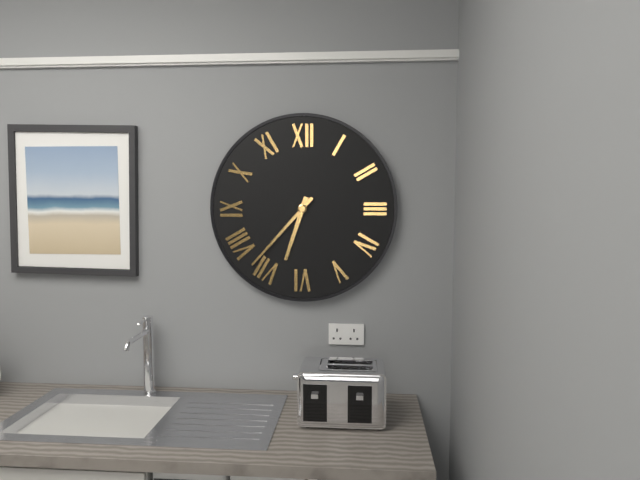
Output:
6.37
